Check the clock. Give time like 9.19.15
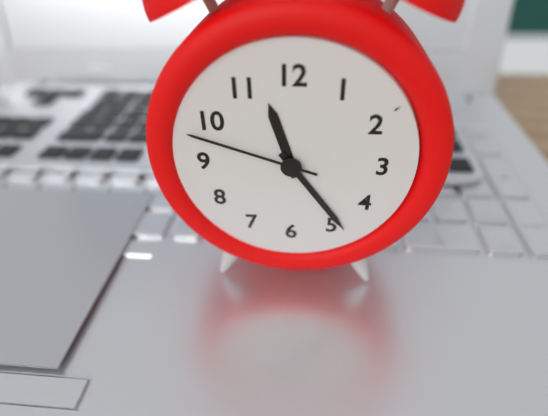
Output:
11.24.48
